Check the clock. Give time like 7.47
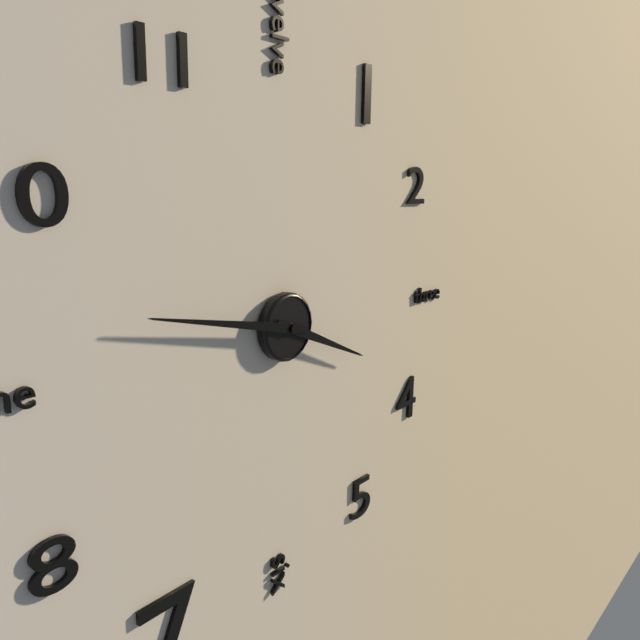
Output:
3.47
